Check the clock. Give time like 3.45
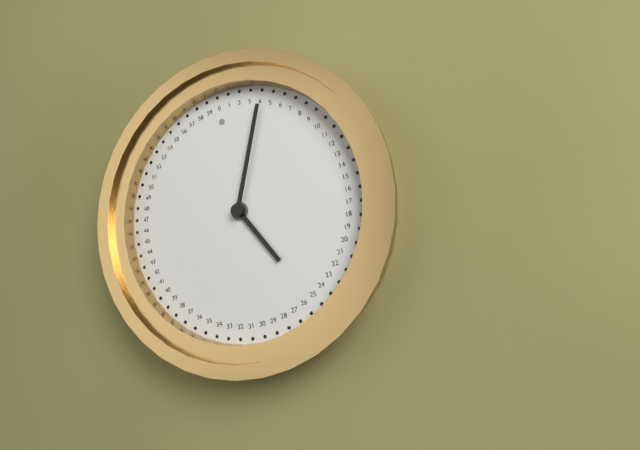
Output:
5.04
